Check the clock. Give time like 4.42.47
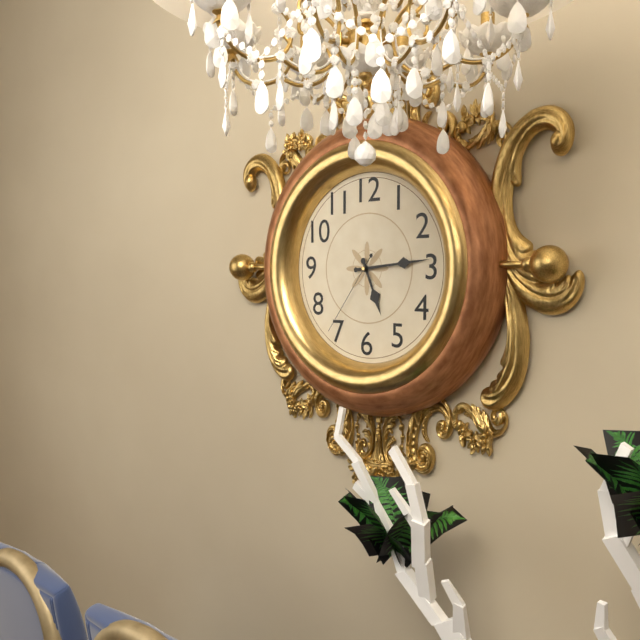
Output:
5.14.36
